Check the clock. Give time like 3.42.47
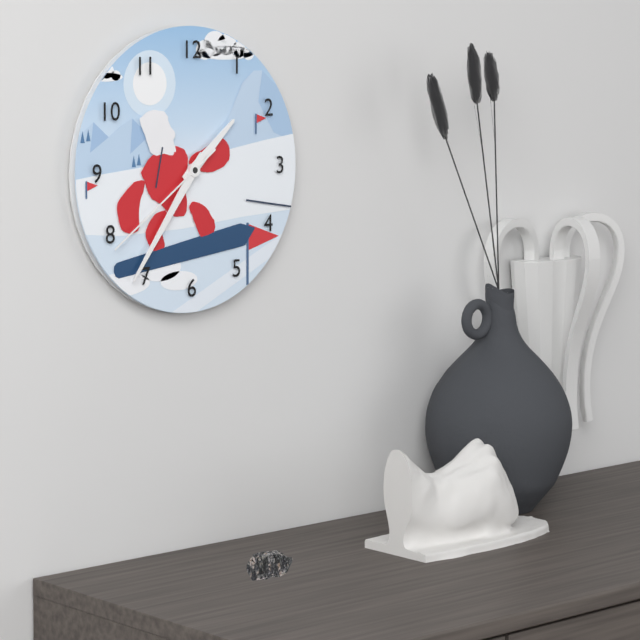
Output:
1.36.39
